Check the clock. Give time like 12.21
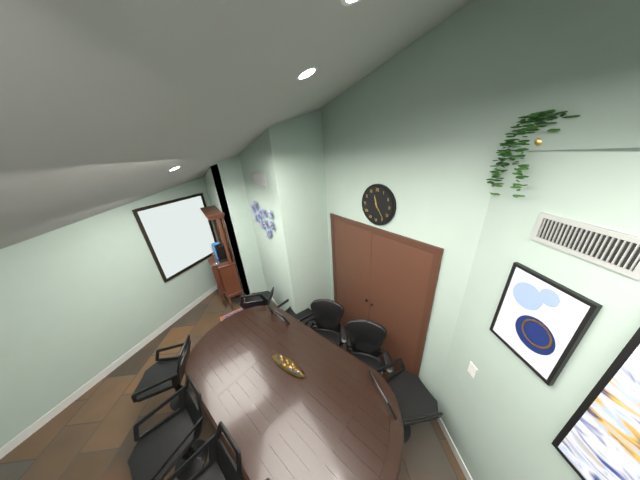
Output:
11.24
